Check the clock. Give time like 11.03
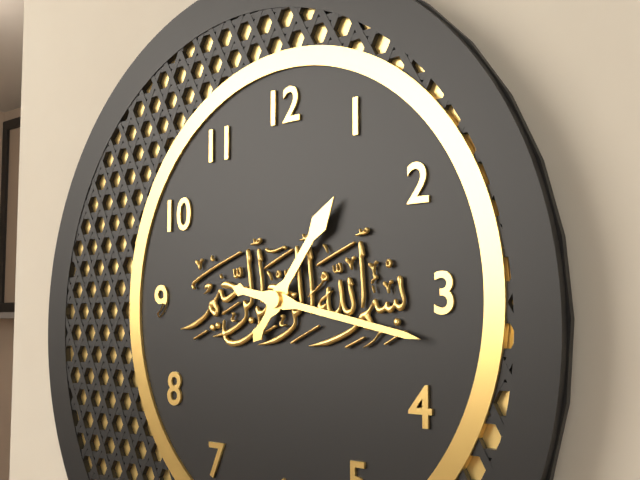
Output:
1.17
